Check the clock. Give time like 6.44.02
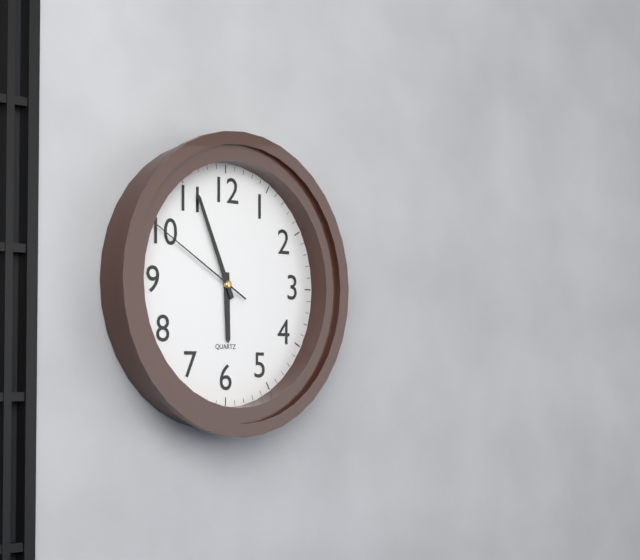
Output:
5.56.50
